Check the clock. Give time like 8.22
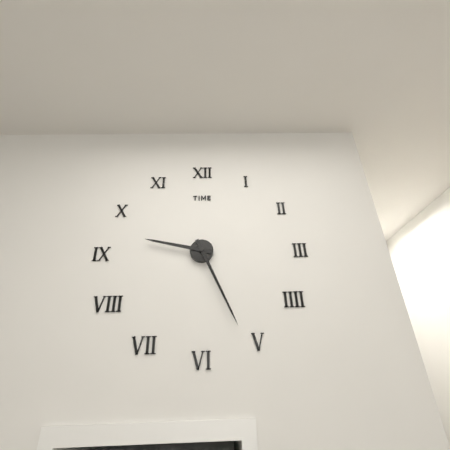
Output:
9.26
